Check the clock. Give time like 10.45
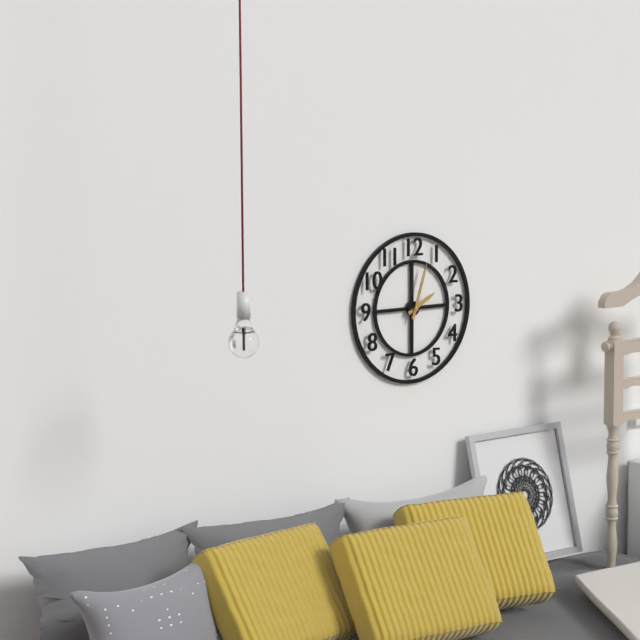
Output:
2.03
